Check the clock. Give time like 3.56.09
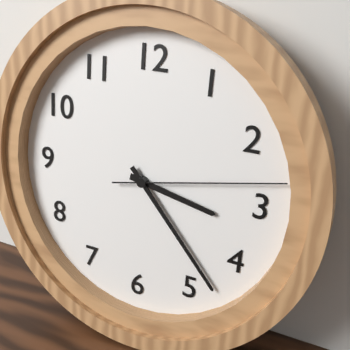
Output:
3.23.13
